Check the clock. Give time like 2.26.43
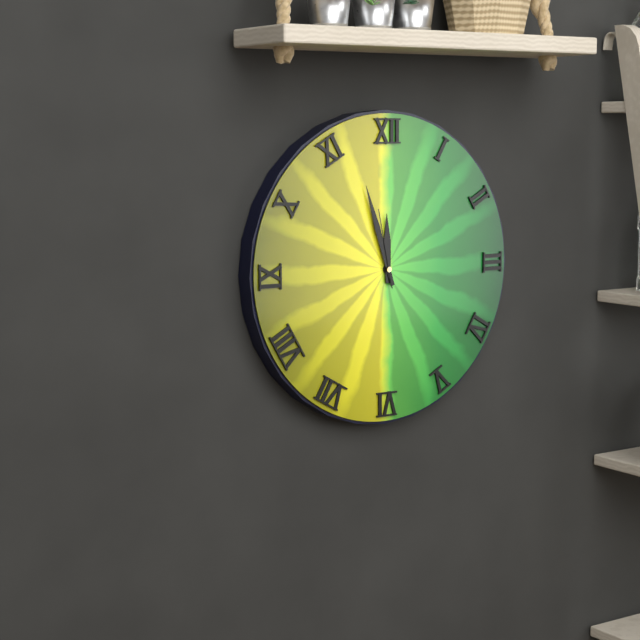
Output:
11.57.58
